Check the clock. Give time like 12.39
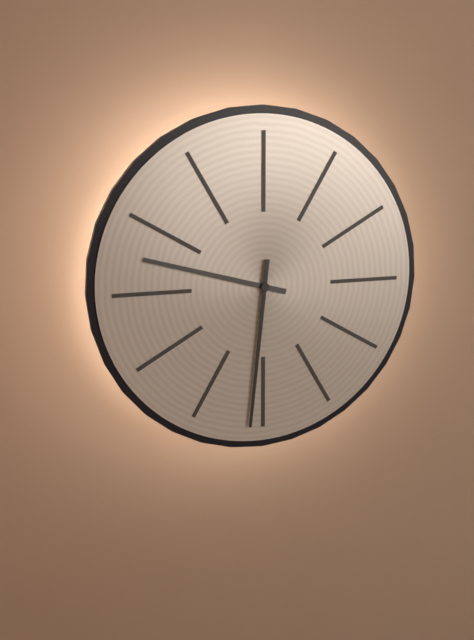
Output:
9.31
